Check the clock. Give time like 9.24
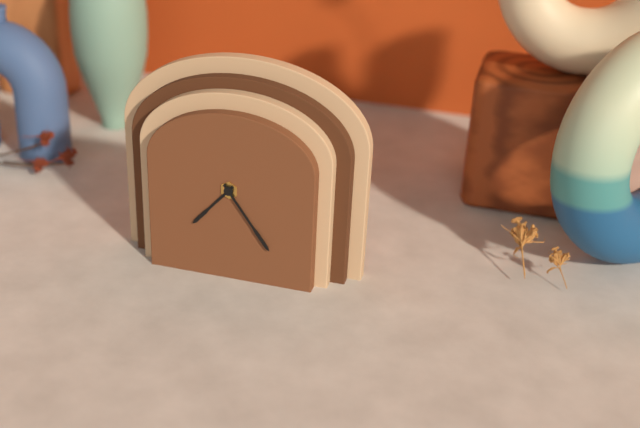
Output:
7.24
